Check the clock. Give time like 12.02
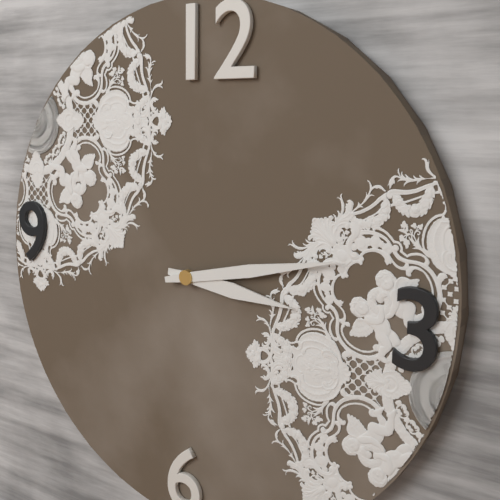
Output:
3.13
